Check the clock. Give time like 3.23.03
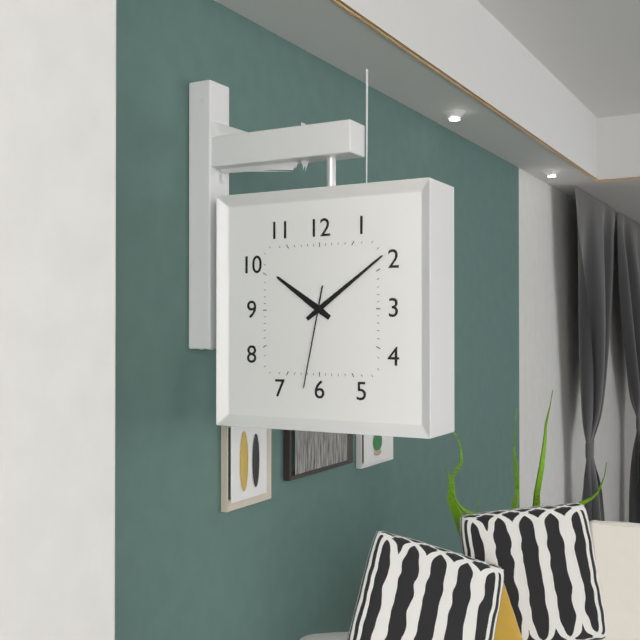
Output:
10.09.32
